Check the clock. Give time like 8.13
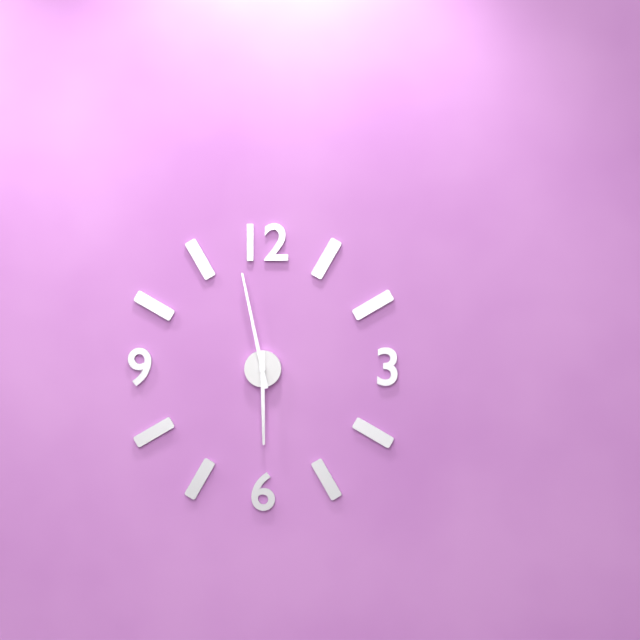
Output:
5.58
